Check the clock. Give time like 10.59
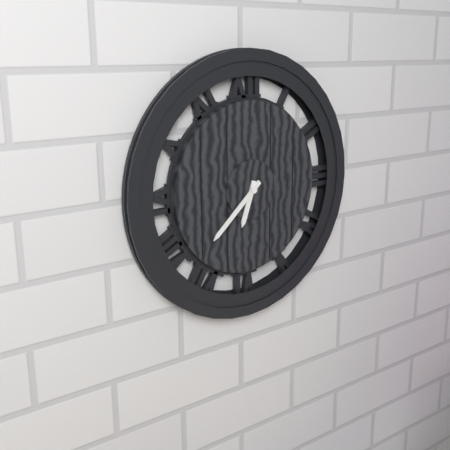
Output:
6.38
